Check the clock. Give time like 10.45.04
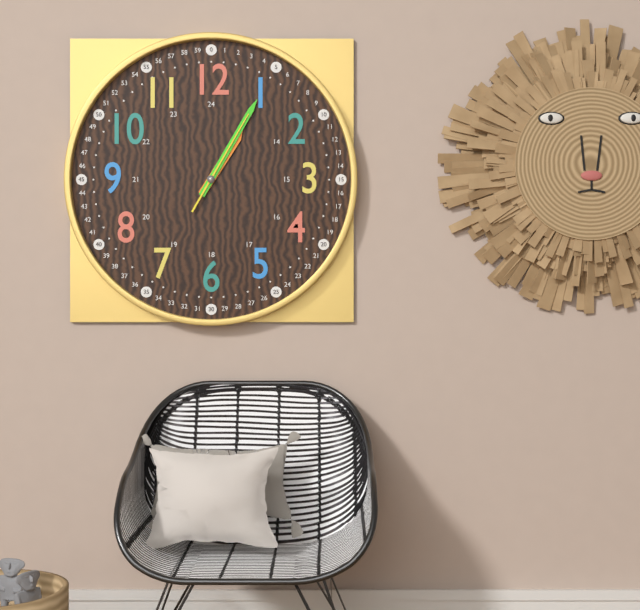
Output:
1.05.05
